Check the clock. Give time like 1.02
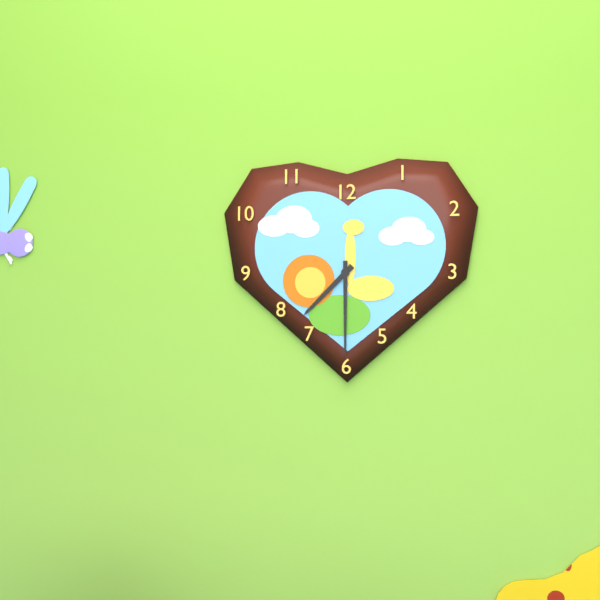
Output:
7.30
